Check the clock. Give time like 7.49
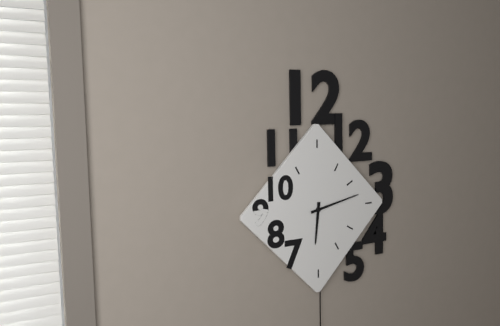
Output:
6.13
